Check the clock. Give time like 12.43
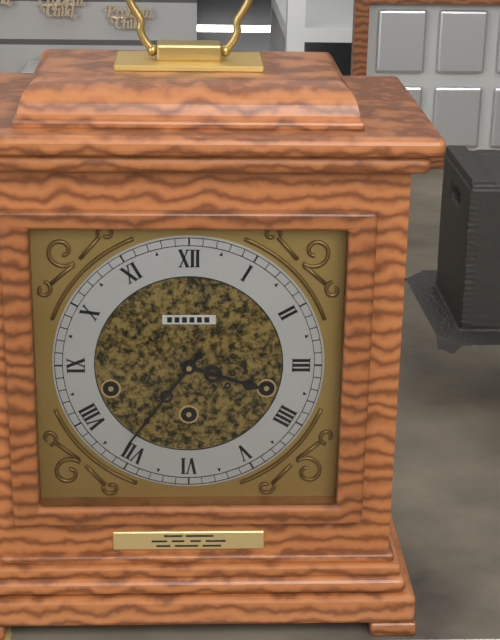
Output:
3.36
